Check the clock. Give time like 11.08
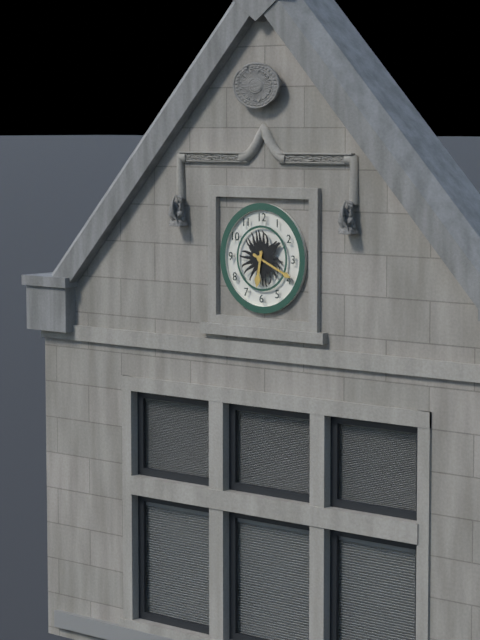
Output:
6.19
